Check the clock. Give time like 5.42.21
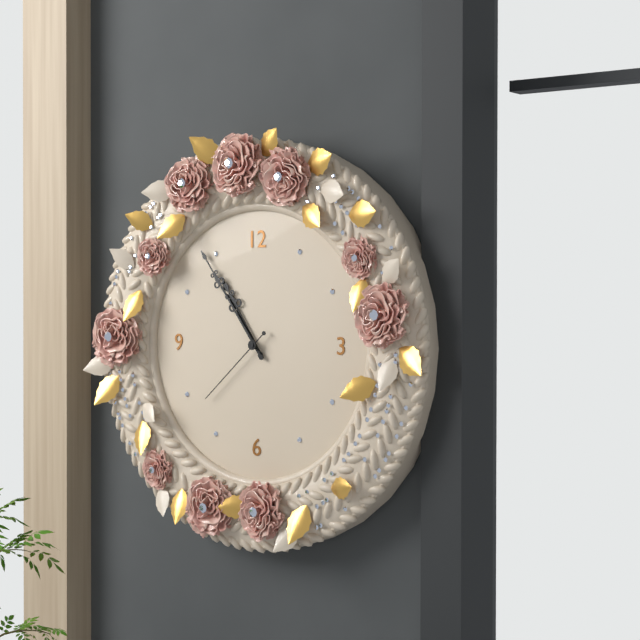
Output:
10.54.38
